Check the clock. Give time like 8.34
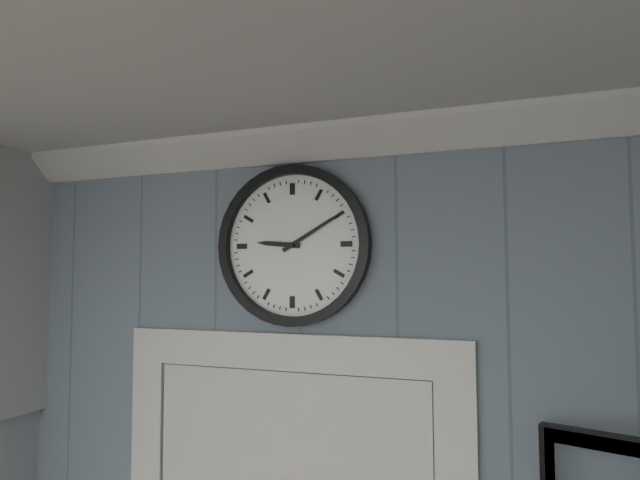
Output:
9.10
